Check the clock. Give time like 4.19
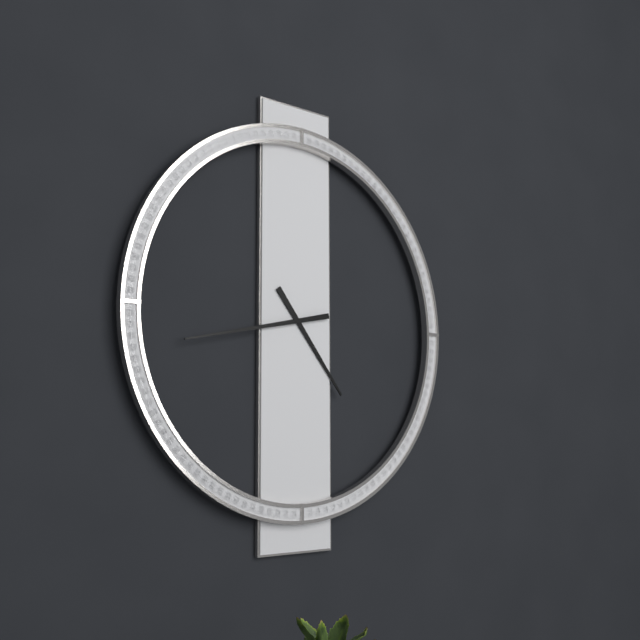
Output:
4.43
